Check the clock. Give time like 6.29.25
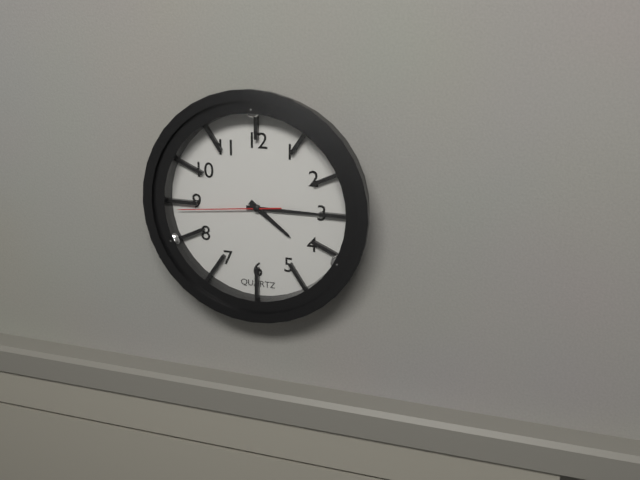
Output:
4.15.44
